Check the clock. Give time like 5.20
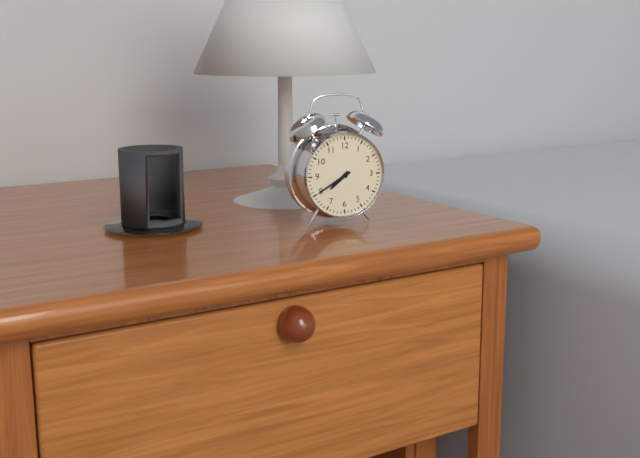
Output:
7.40
